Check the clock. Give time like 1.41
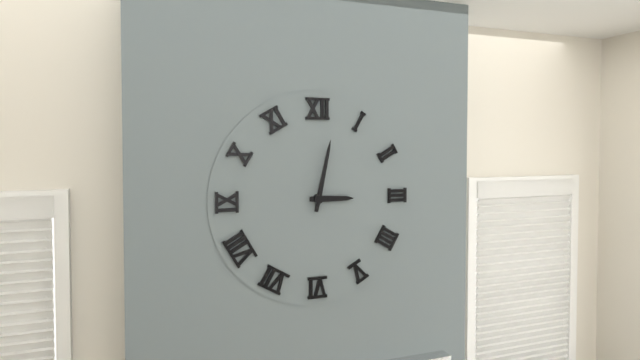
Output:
3.02
